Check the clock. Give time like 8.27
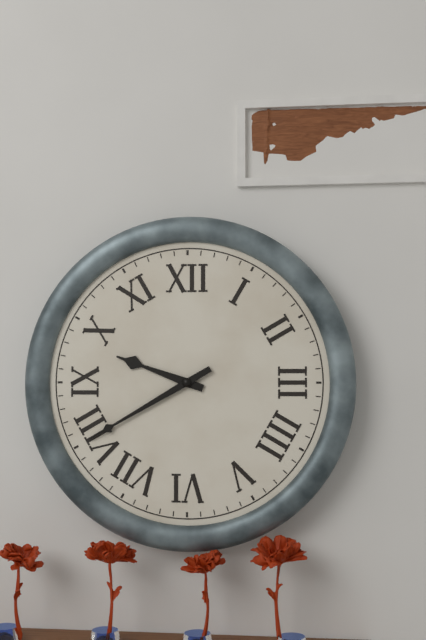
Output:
9.40
